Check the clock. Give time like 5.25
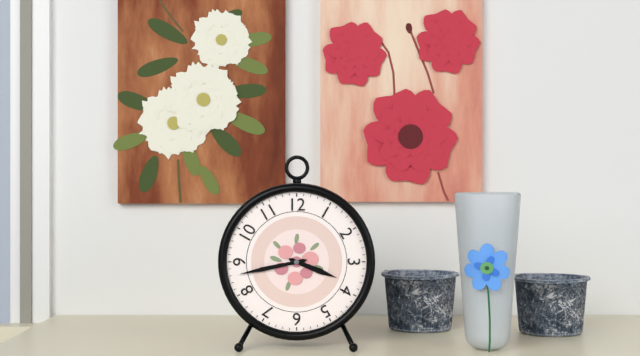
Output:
3.43
